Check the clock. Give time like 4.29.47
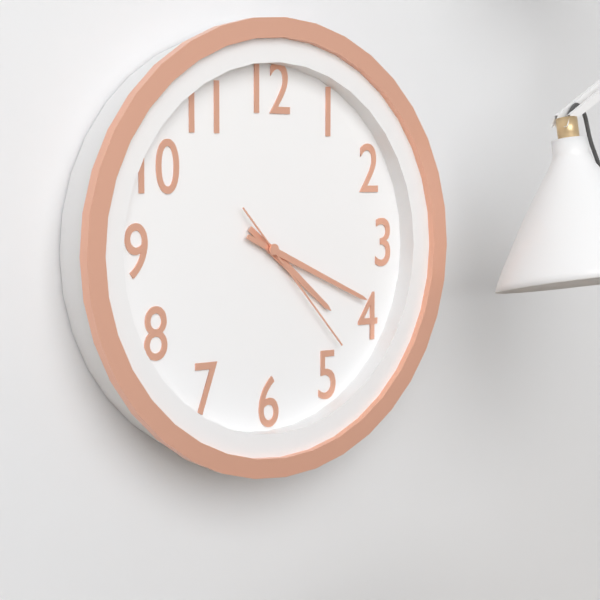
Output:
4.19.23
